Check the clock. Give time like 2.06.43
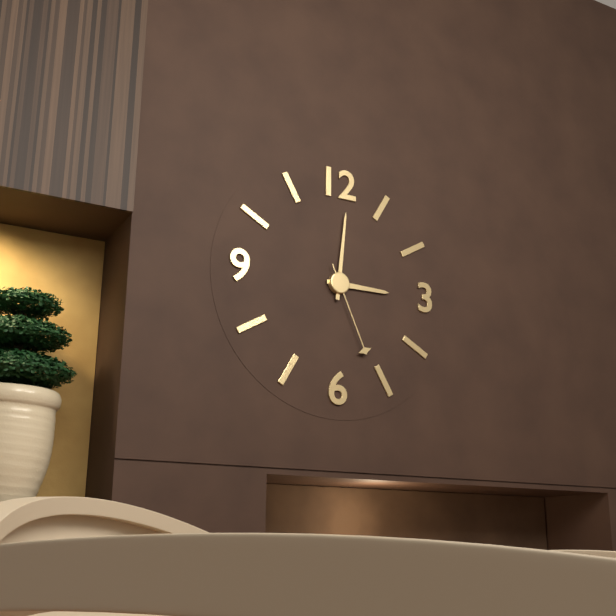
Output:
3.01.26
